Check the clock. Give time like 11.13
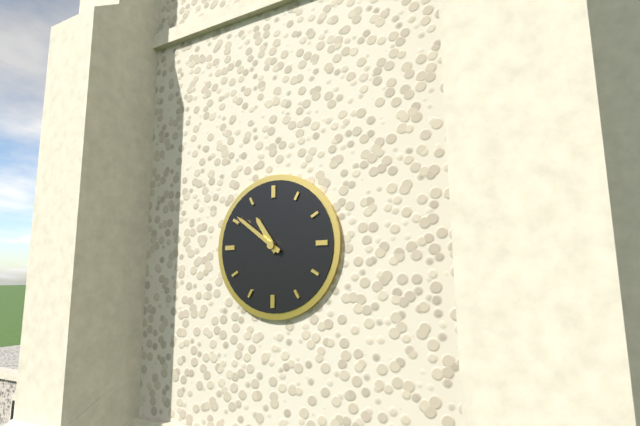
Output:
10.51
